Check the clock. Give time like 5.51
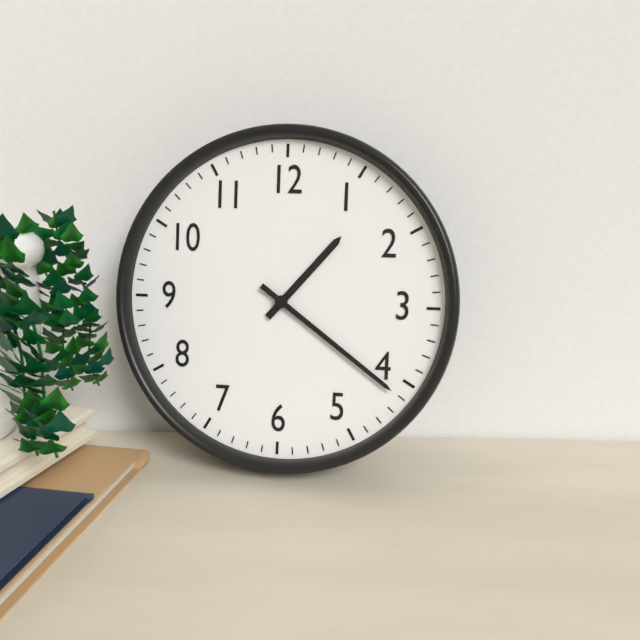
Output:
1.21
